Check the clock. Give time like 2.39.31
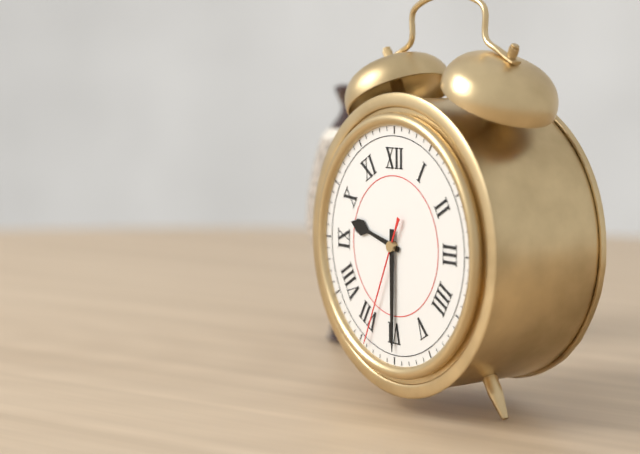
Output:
9.30.34
